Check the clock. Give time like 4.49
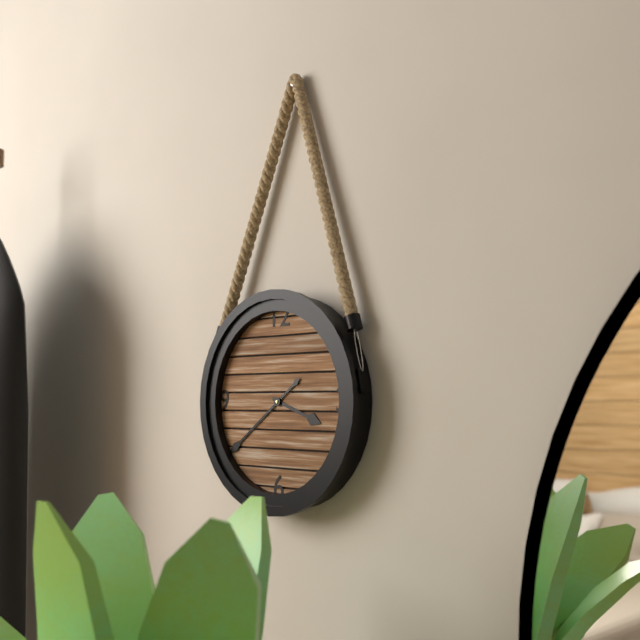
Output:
3.39
